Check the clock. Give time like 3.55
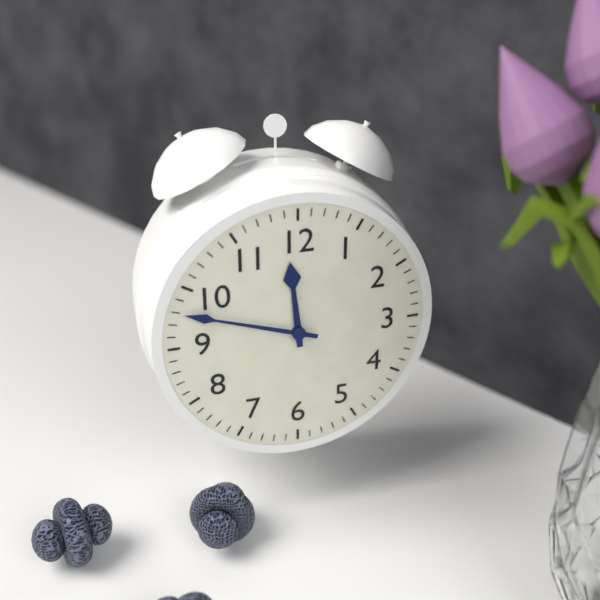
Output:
11.48
